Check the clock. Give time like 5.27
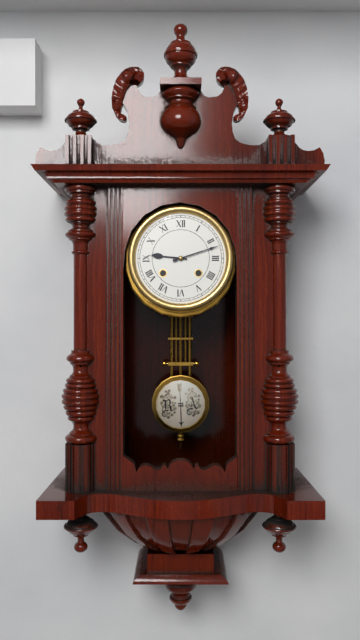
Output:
9.12
